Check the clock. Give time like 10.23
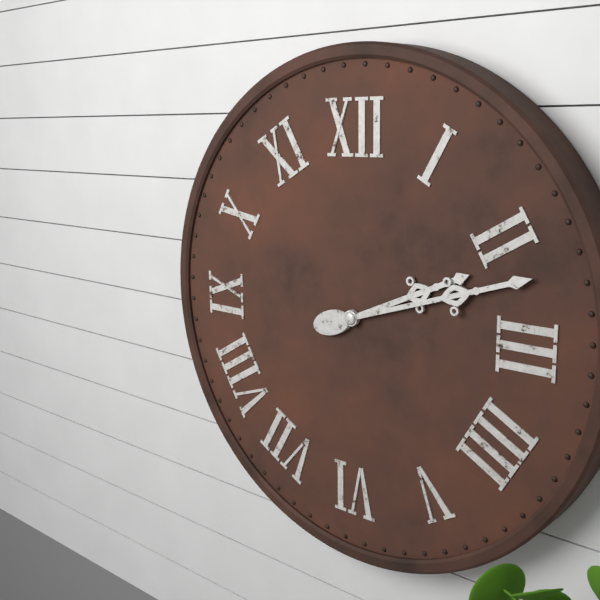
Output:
2.12
